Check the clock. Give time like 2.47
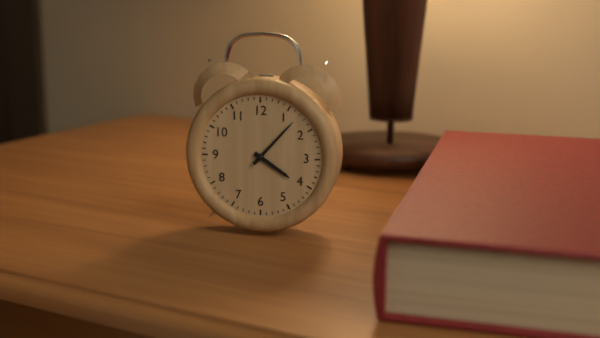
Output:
4.07
